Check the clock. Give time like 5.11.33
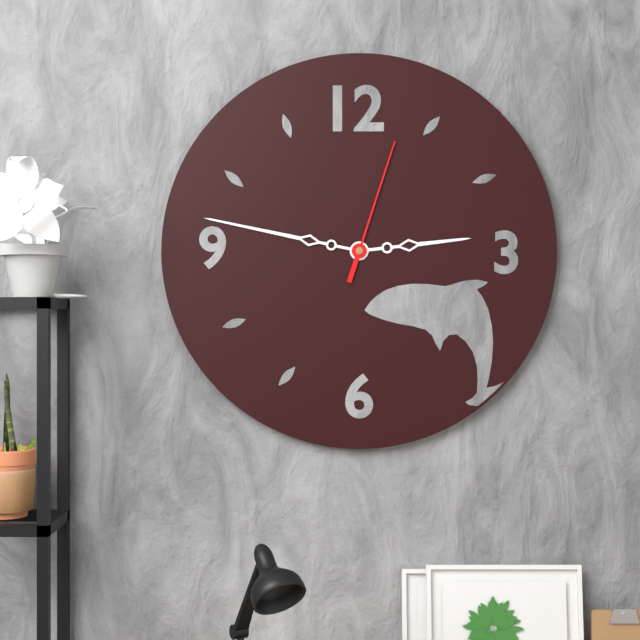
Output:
2.47.03
